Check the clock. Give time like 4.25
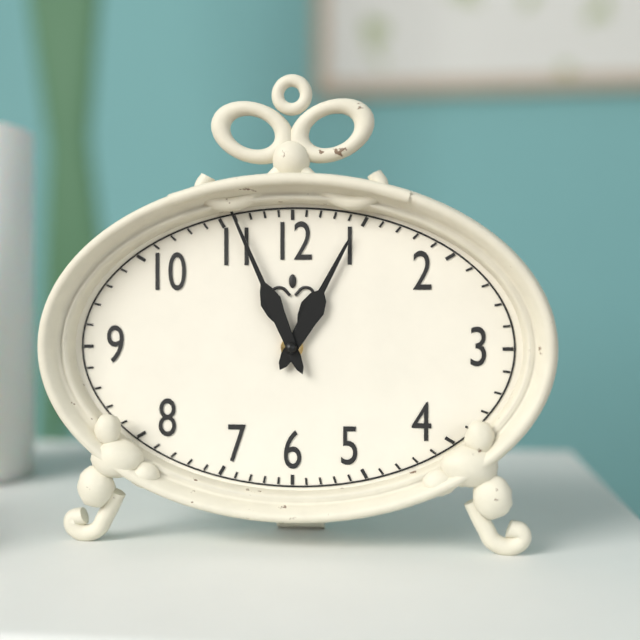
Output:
12.56
